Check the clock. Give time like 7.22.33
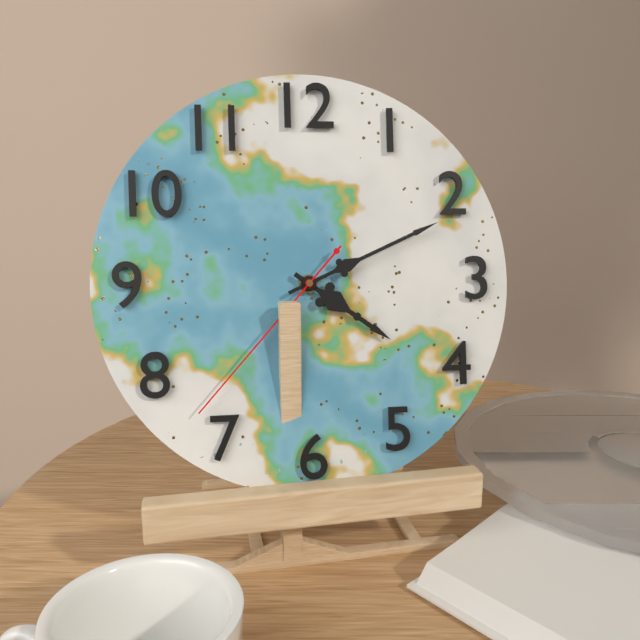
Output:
4.11.37
